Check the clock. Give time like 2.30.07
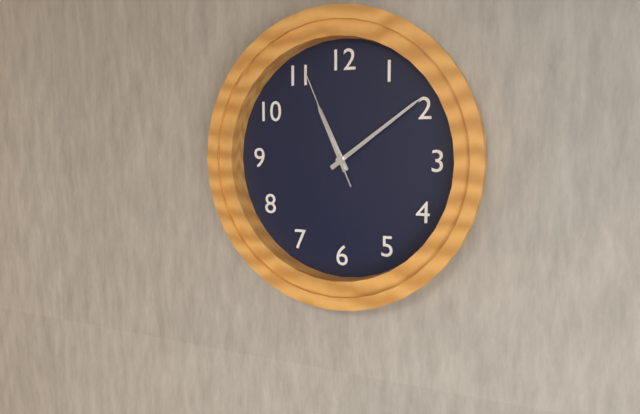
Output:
11.09.56
